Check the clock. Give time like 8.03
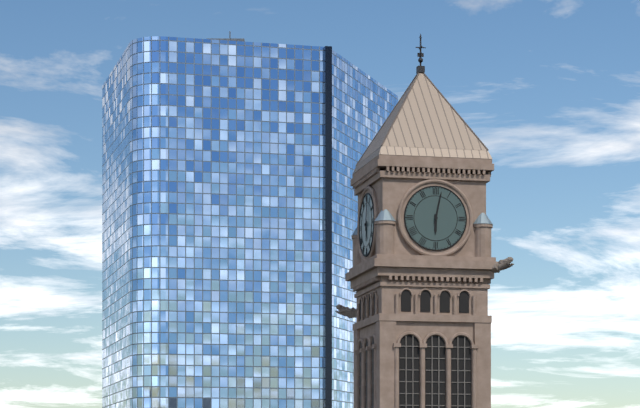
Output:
6.02
